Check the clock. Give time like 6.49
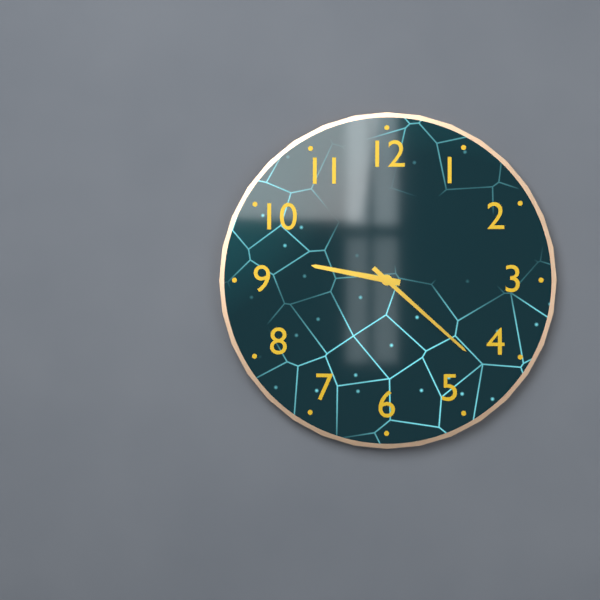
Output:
9.22
